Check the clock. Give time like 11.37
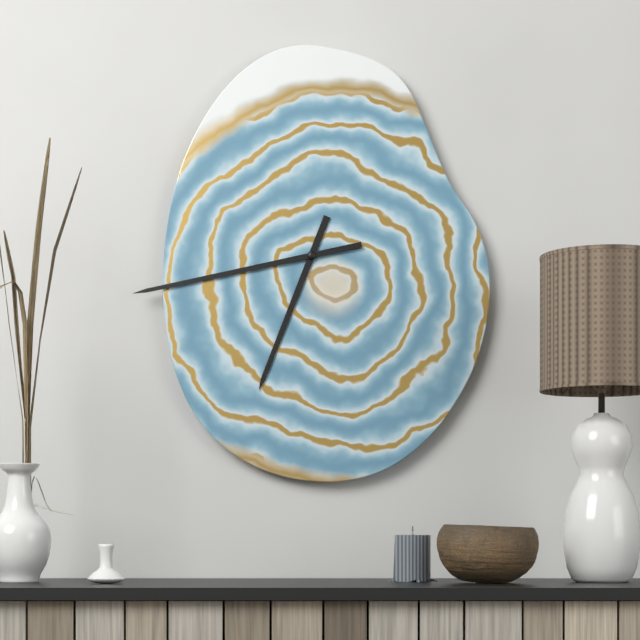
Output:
6.43
